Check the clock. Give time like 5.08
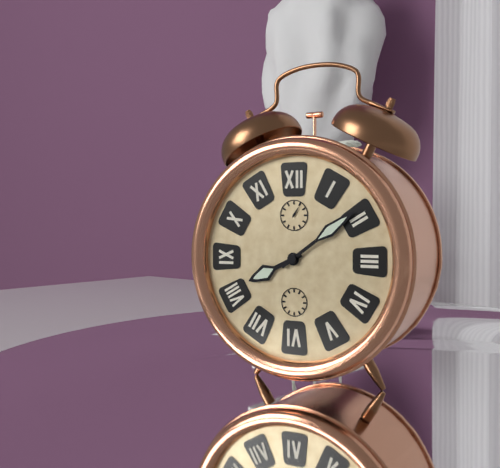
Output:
8.09
